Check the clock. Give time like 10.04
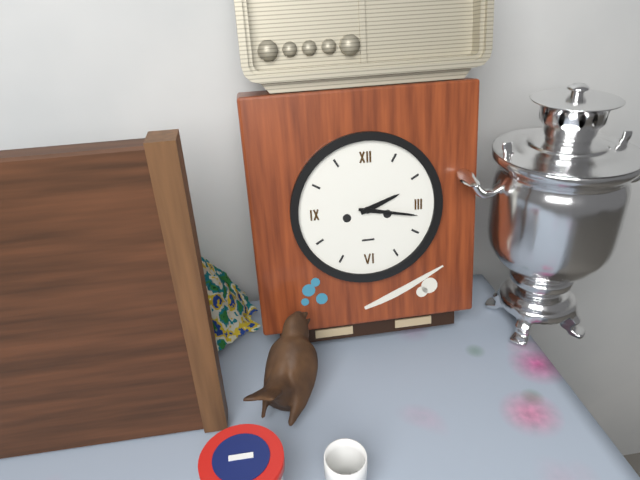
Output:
2.17
